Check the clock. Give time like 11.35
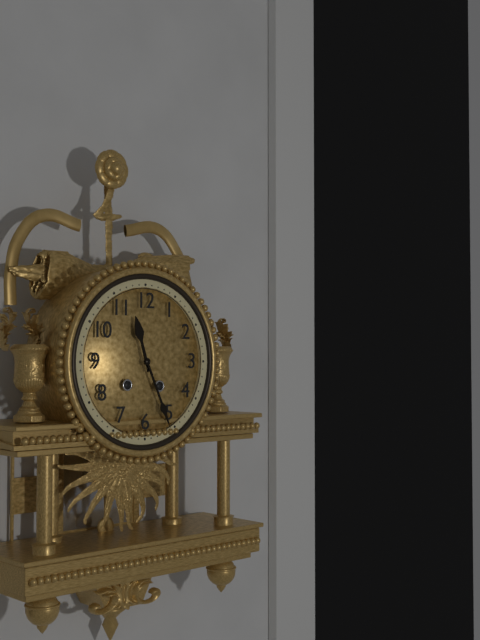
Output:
11.26
